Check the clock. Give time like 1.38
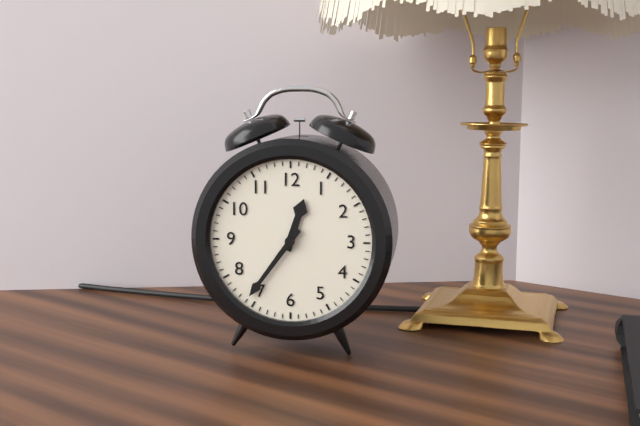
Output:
12.36
